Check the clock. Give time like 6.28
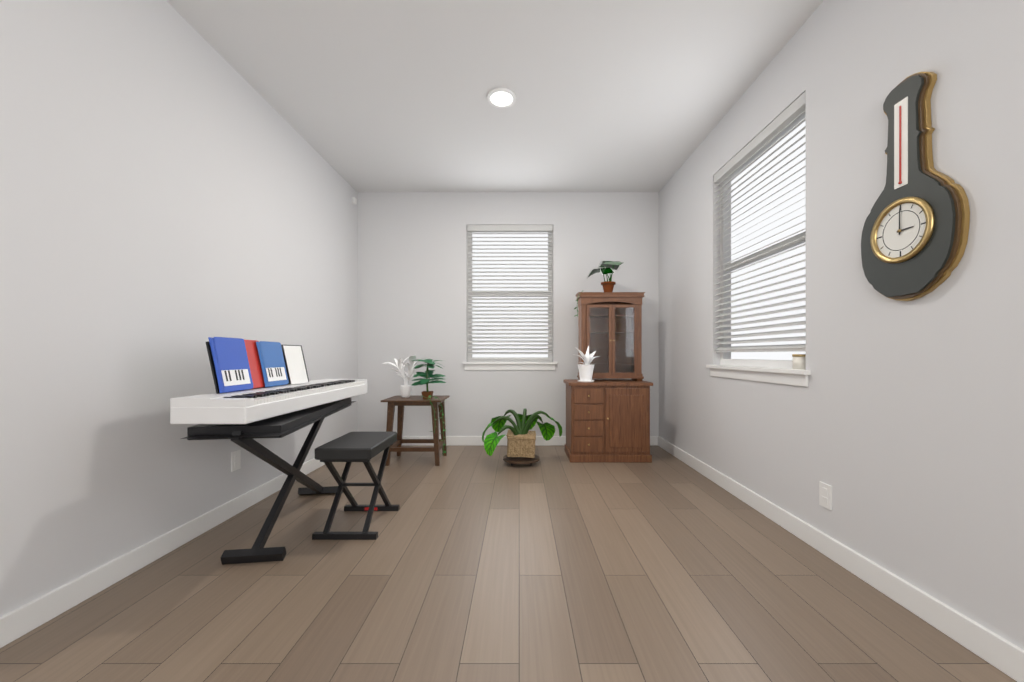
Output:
3.00
